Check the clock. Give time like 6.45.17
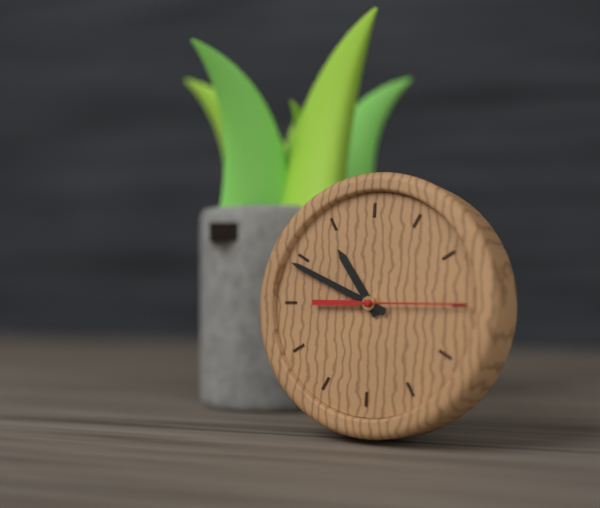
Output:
10.49.15
